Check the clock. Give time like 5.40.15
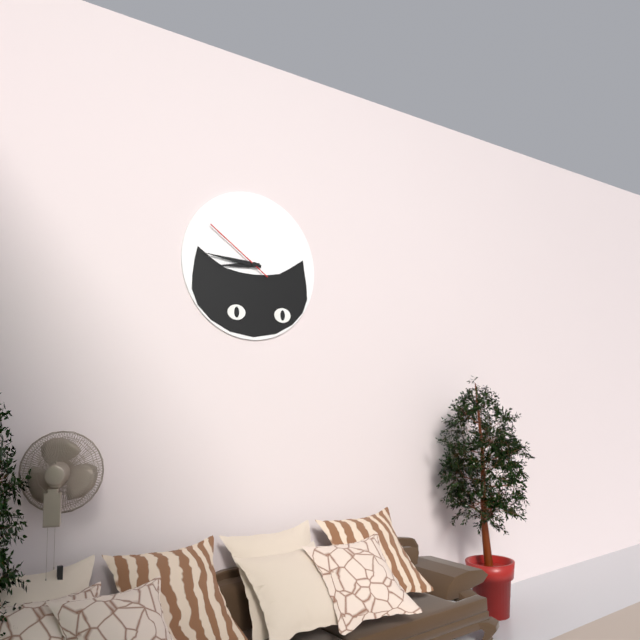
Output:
8.46.51
